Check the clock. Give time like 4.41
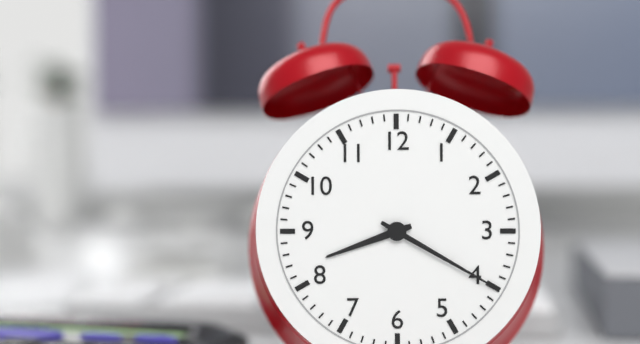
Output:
8.20
